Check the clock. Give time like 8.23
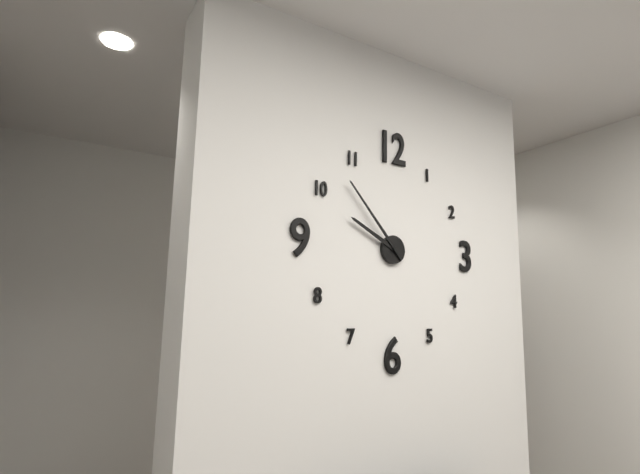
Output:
9.53
